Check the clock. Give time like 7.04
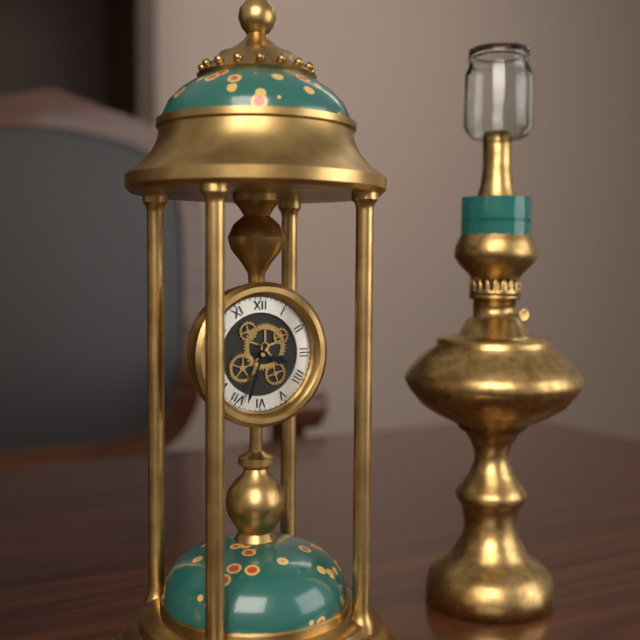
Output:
3.33
